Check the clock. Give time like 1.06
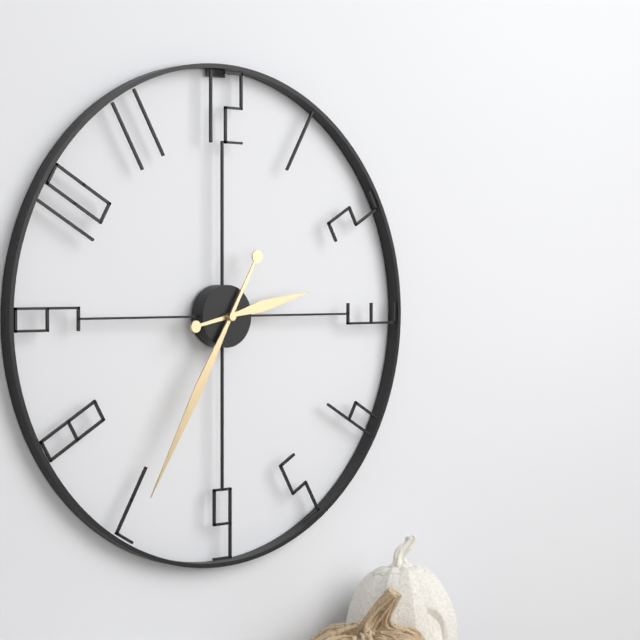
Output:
2.35
